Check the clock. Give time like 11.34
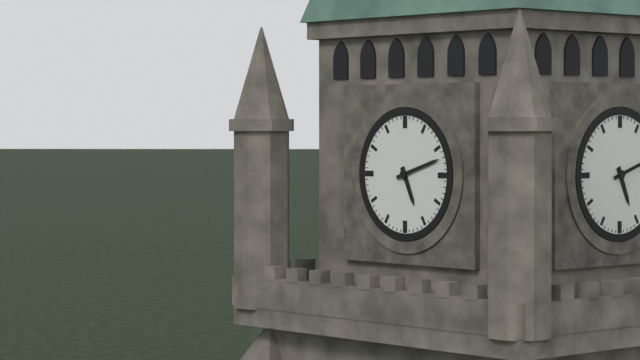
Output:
5.12
